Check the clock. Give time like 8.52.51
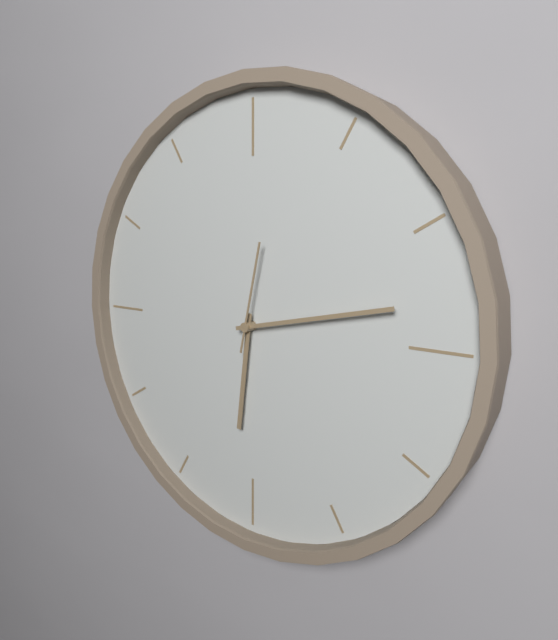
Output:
6.13.02
